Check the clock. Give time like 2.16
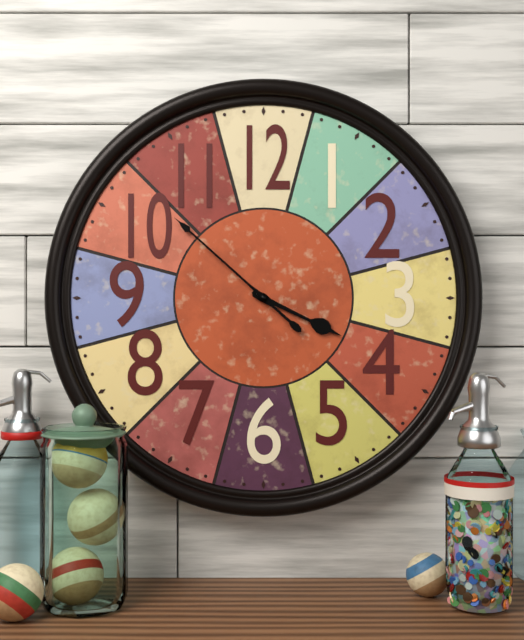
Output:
3.52
